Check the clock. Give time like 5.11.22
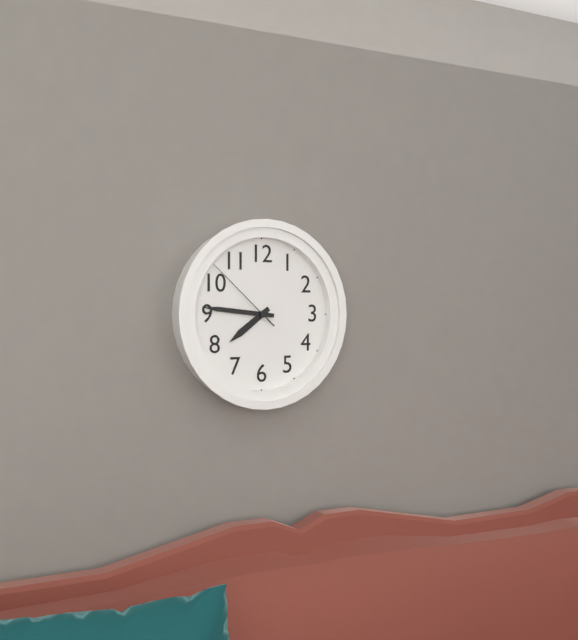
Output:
7.46.52
